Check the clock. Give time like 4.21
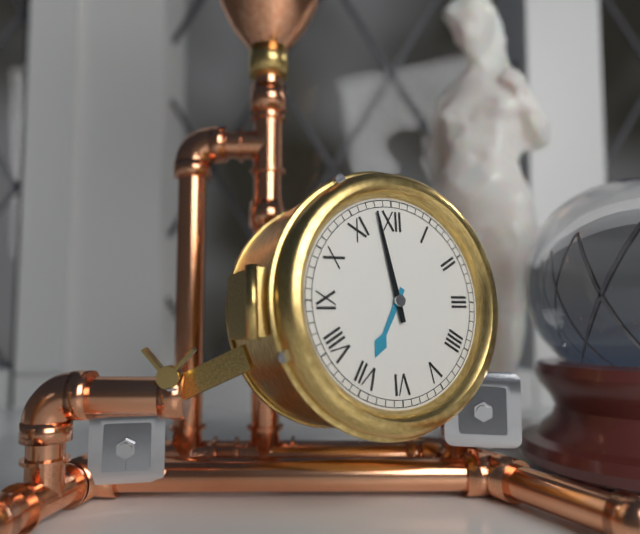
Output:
6.58
